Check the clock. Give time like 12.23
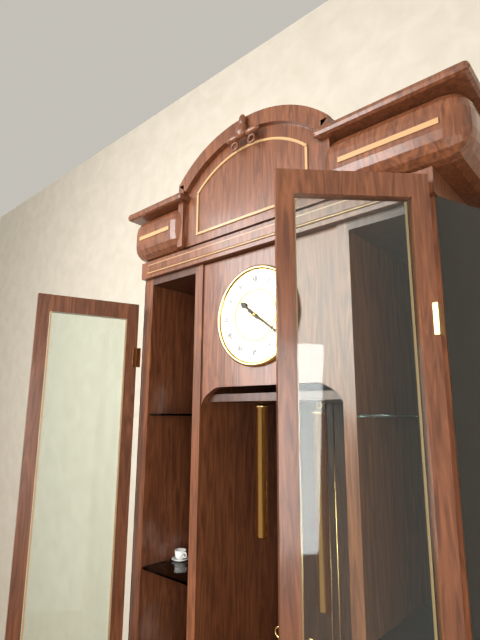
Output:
10.21
